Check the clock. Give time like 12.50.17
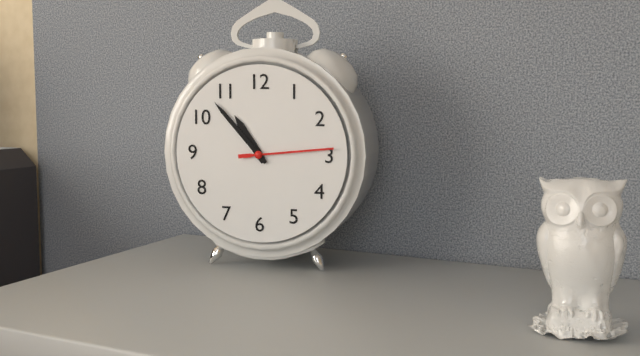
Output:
10.53.14
